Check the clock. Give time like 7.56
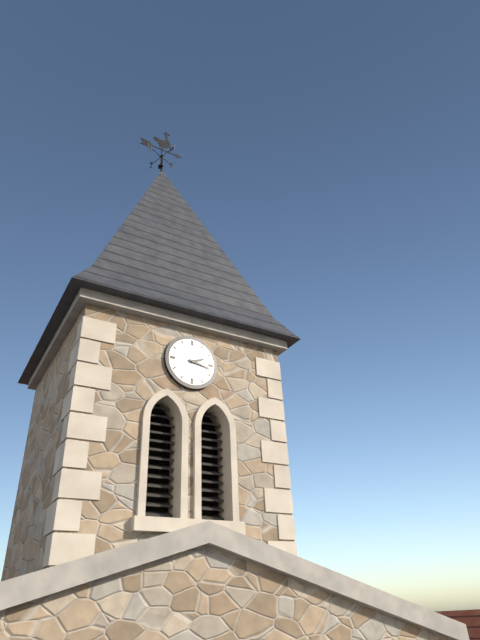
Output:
2.17
